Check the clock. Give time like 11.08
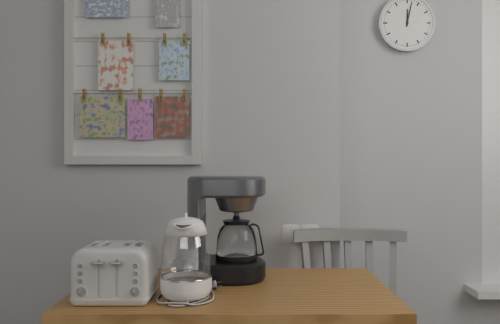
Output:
12.02
